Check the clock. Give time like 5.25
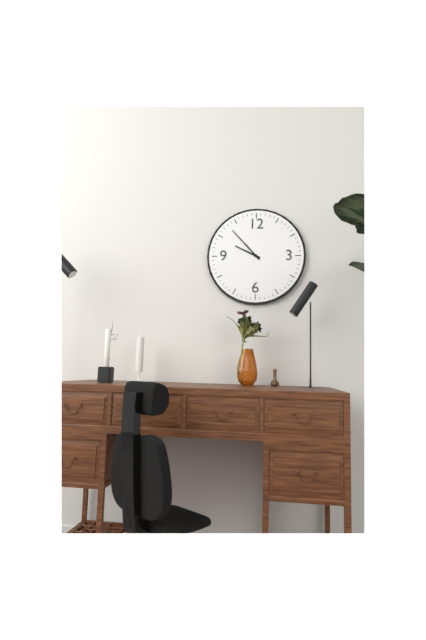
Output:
9.53
